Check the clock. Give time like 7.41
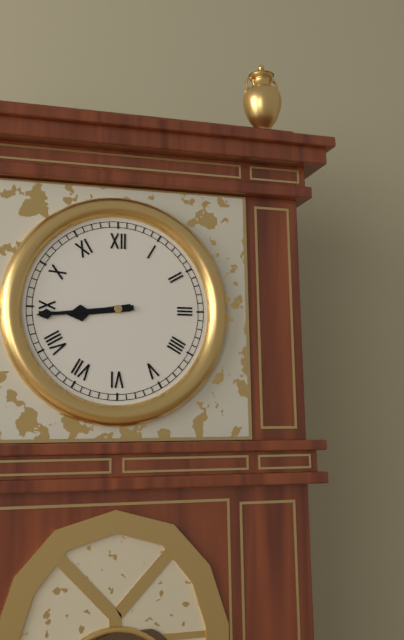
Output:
8.44
